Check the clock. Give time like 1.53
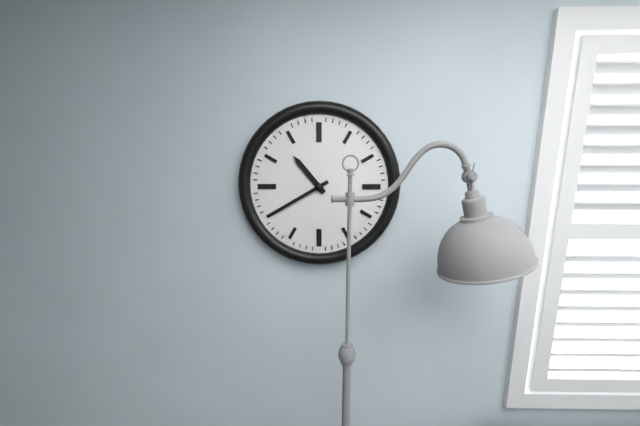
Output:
10.40
